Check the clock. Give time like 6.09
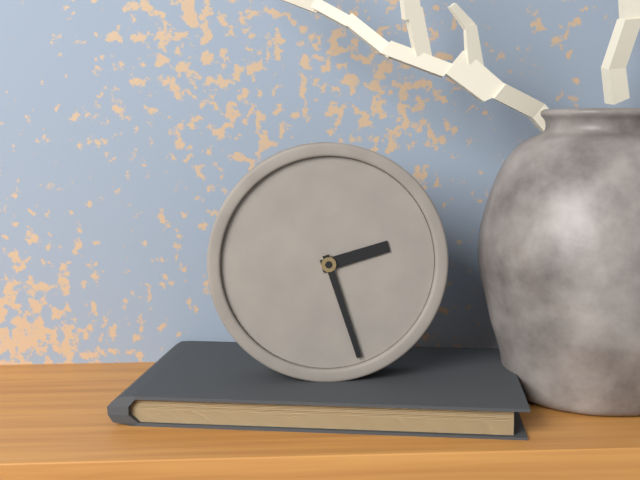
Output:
2.27
